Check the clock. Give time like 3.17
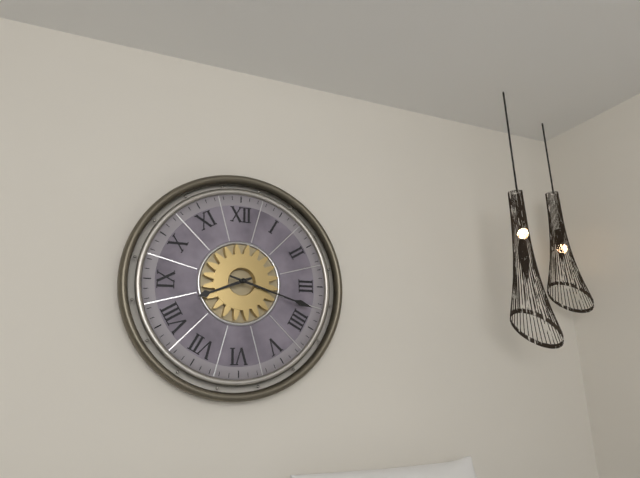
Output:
8.18
